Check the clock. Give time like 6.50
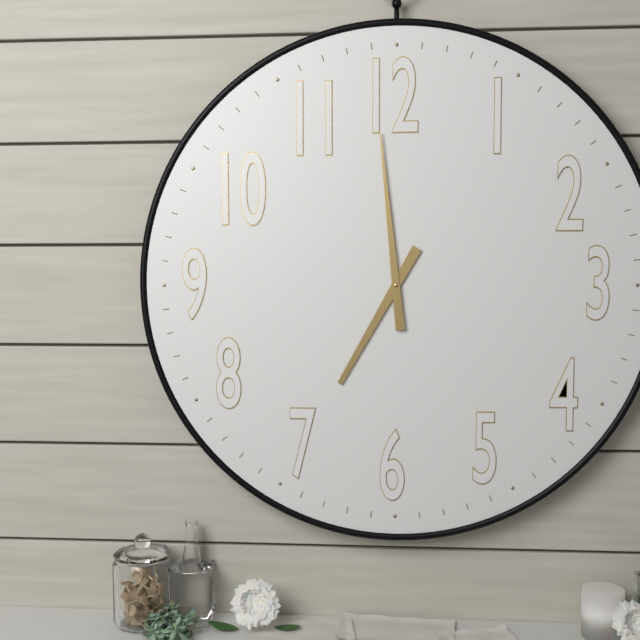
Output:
6.59
